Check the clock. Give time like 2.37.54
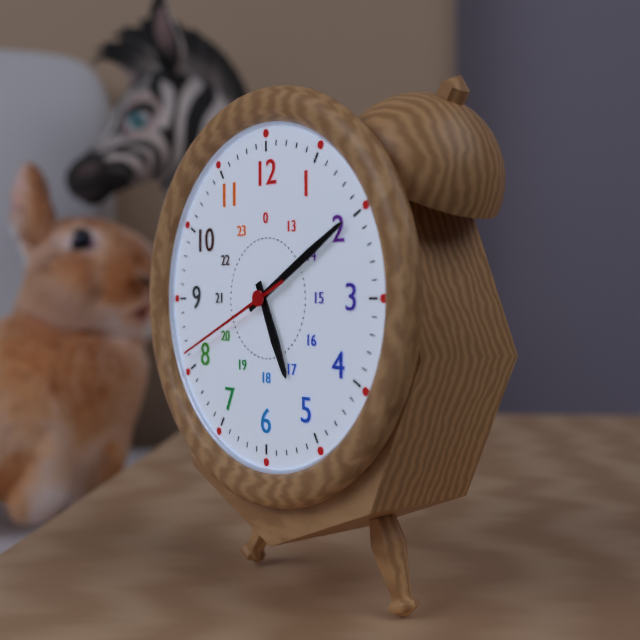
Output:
5.10.41
